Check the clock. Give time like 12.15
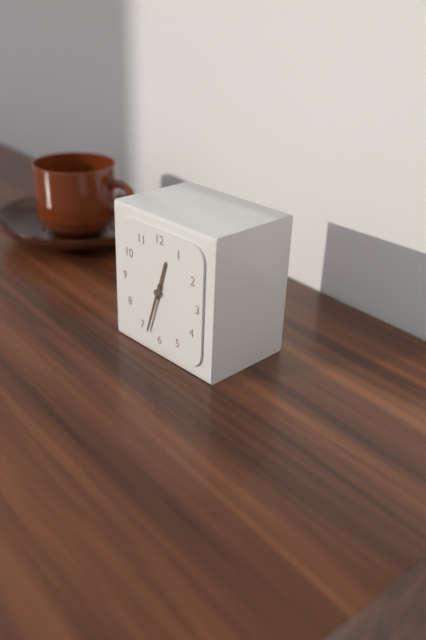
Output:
12.33
